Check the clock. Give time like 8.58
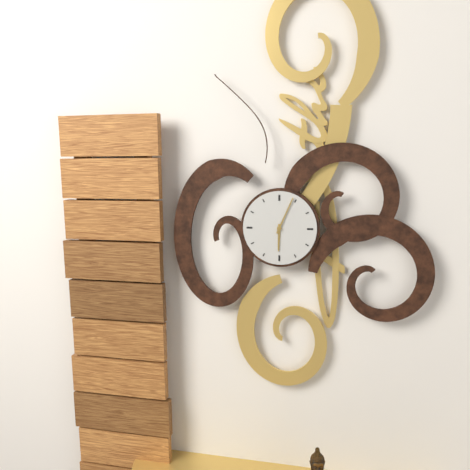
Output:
6.04
